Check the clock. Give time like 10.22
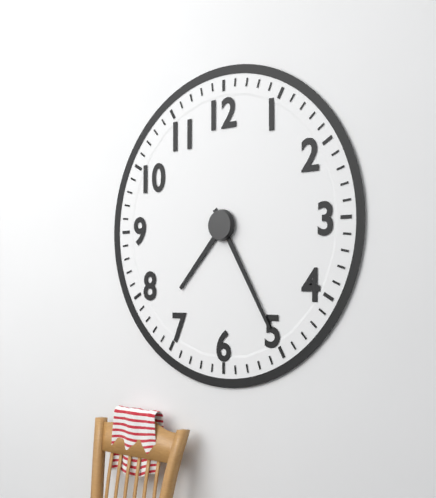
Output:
7.25
